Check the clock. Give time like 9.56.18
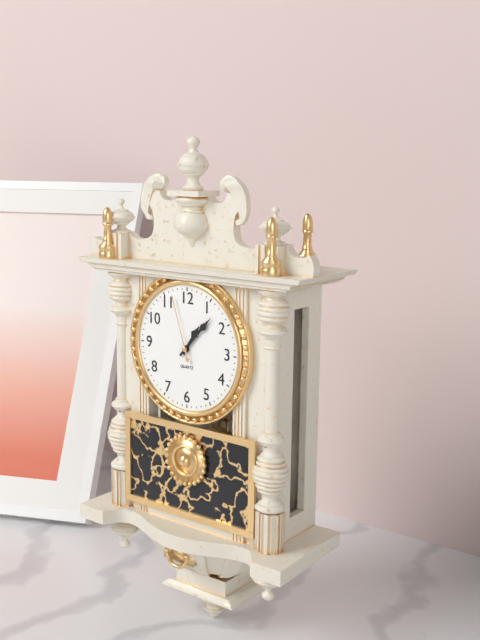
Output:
1.07.57
